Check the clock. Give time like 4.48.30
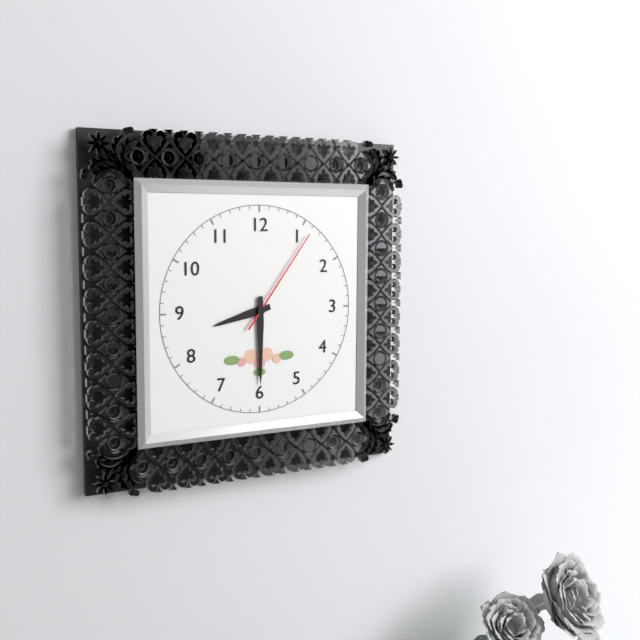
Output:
8.30.06
